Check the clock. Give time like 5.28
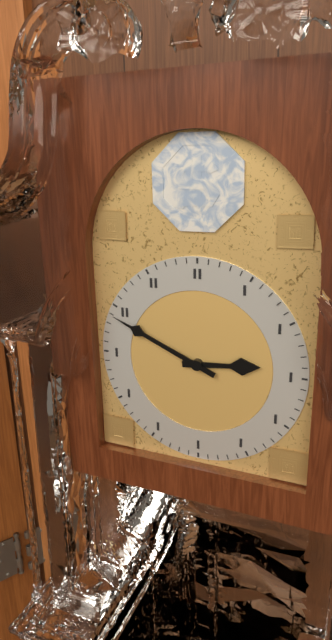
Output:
2.49
